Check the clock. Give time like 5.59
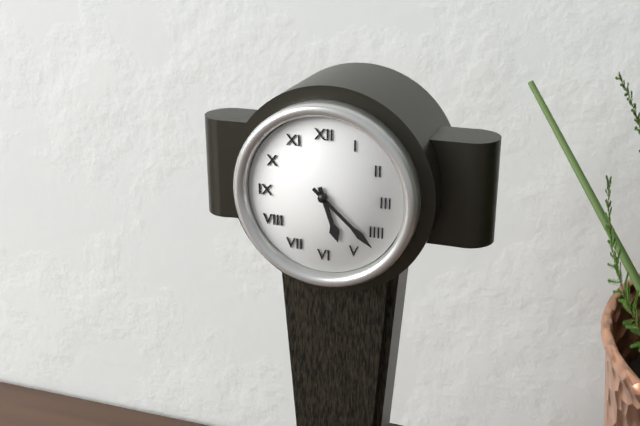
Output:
5.22
